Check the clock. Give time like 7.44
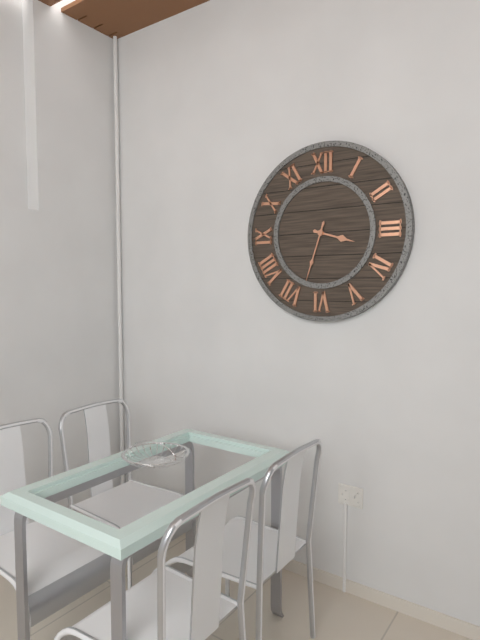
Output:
3.33
